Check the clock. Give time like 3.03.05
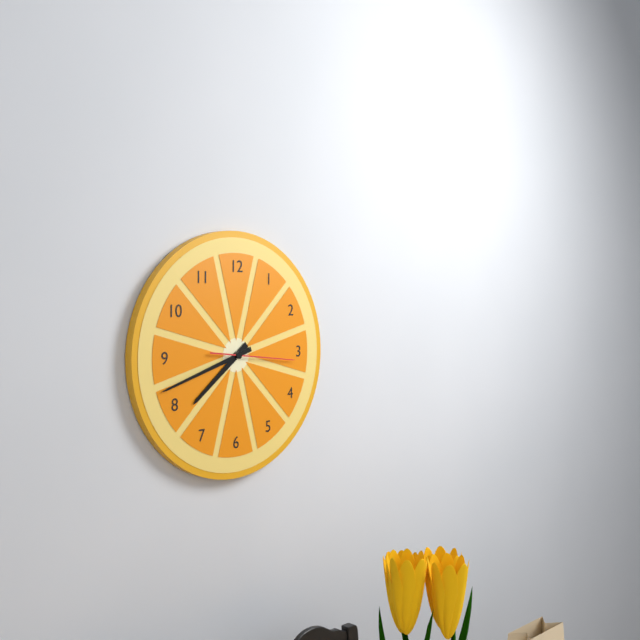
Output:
7.42.16
